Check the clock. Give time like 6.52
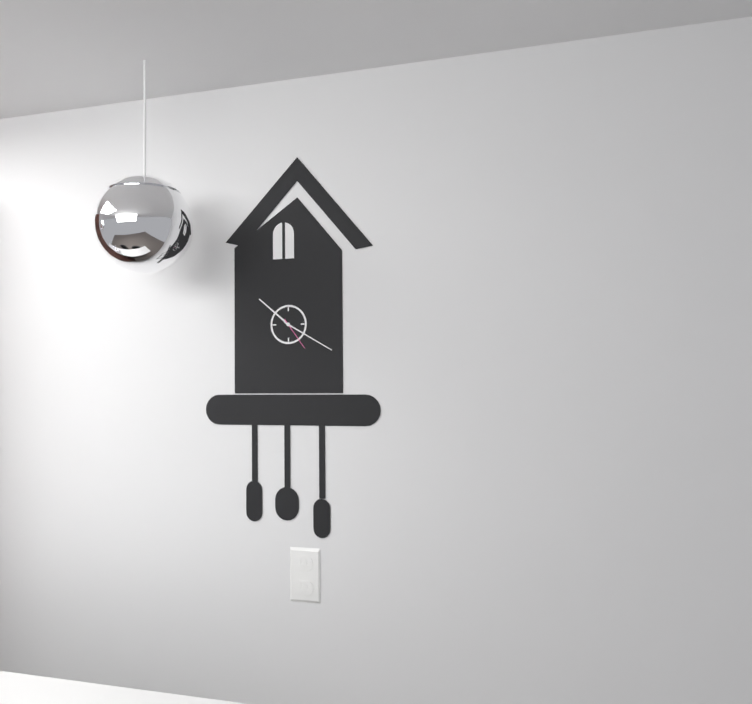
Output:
10.20
